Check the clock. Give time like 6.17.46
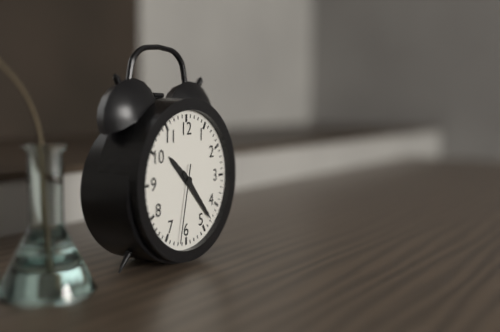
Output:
10.23.32
